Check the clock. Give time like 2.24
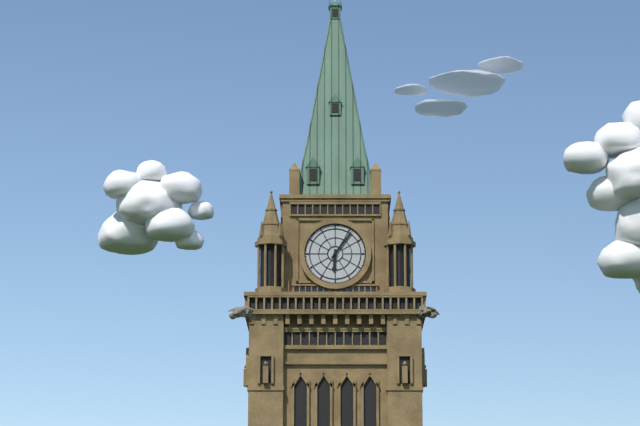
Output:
6.06
